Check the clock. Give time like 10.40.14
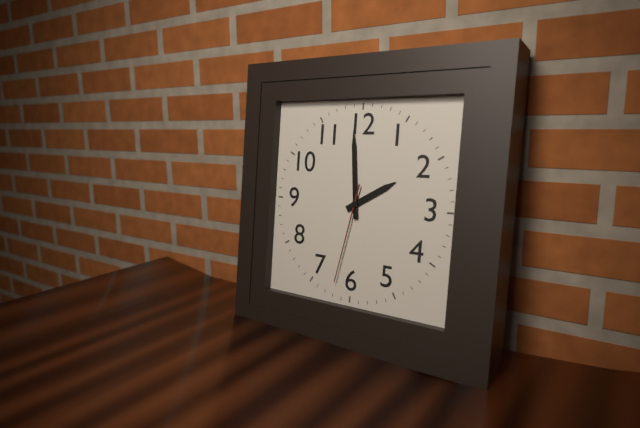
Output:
1.59.32
